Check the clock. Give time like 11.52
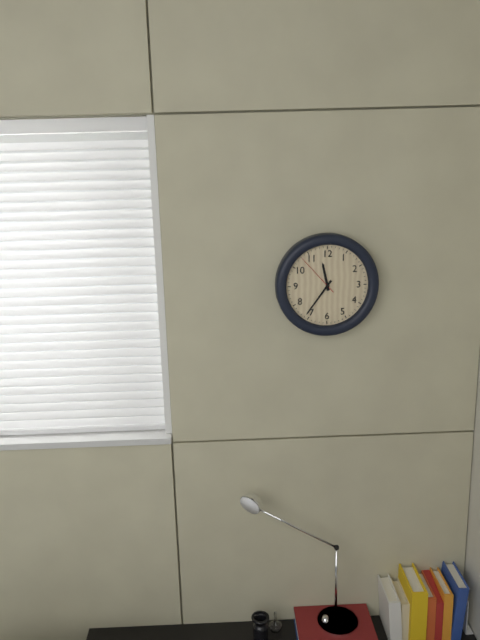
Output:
11.36
